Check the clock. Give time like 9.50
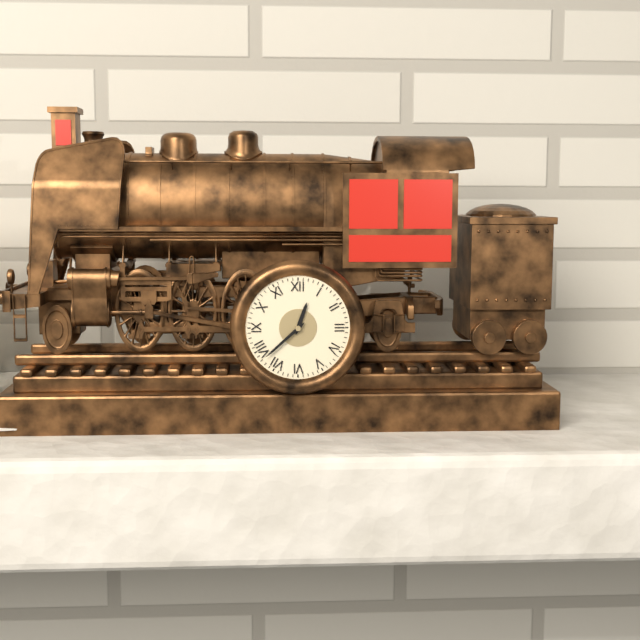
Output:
12.38
